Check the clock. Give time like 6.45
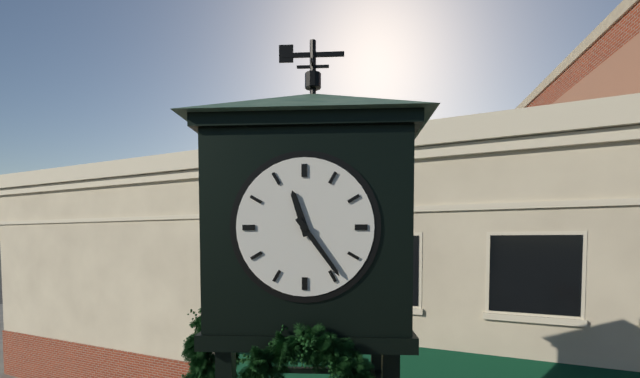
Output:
11.24
